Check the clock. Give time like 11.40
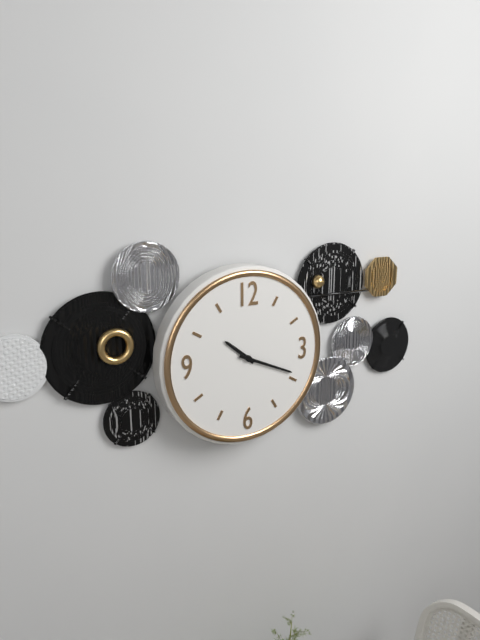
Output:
10.19
